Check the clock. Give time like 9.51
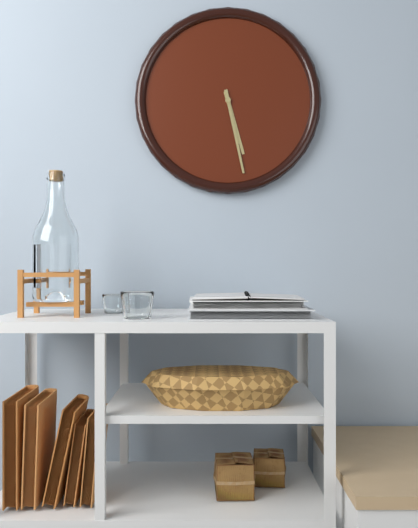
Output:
5.28
